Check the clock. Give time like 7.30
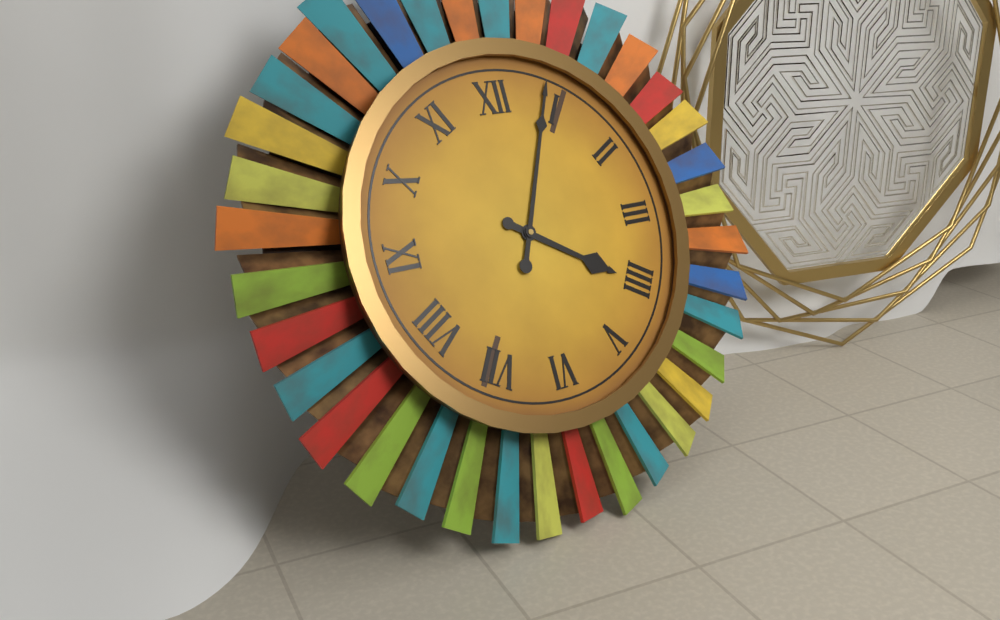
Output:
4.04
